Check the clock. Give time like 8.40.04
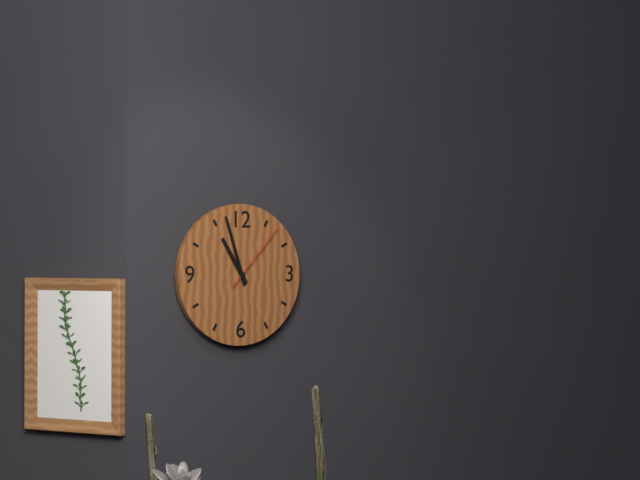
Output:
10.57.07
